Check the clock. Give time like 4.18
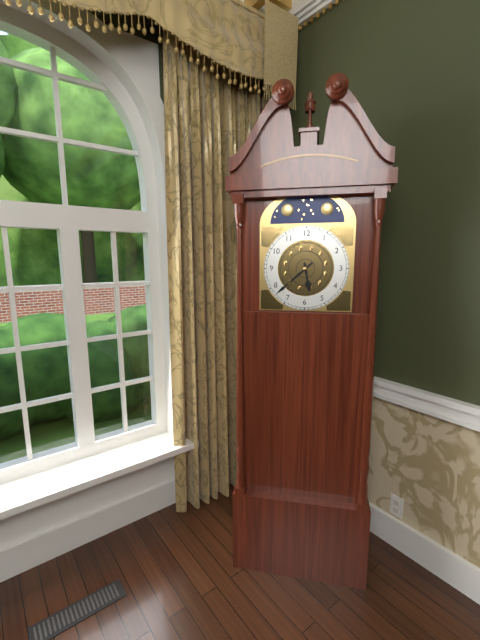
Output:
5.38
